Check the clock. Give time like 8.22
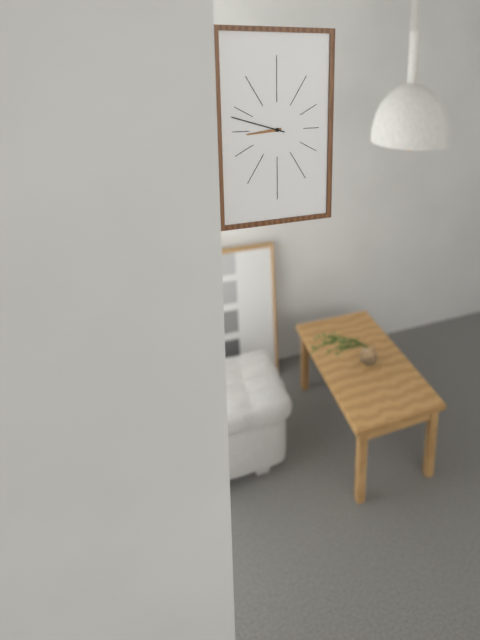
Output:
8.48
